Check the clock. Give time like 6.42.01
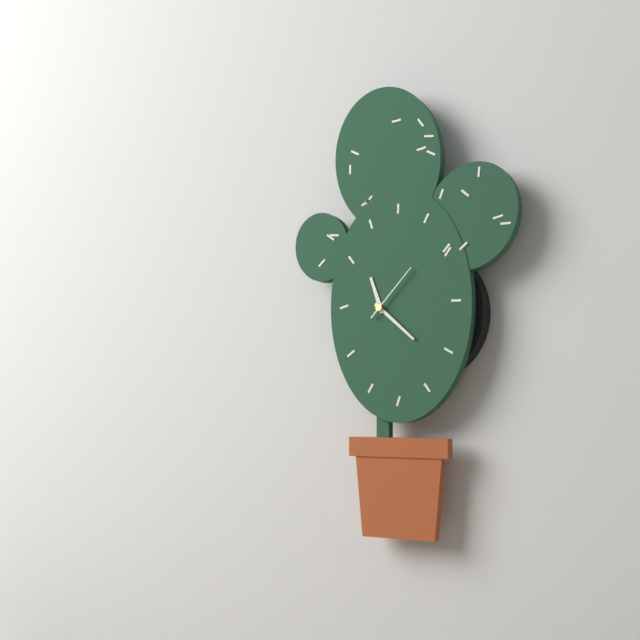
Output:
11.22.07
